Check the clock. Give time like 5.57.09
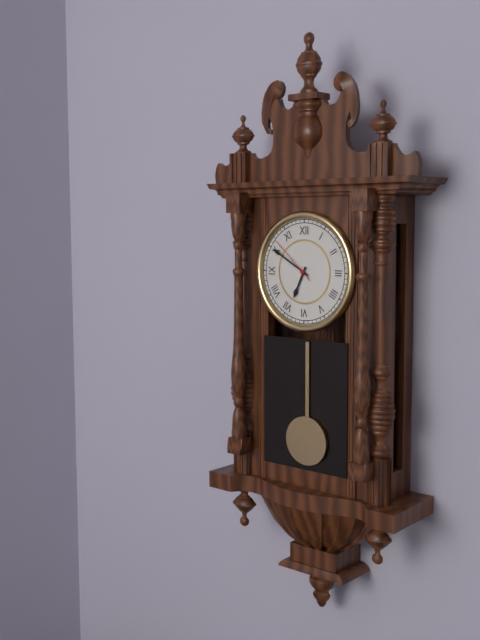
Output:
6.50.52
